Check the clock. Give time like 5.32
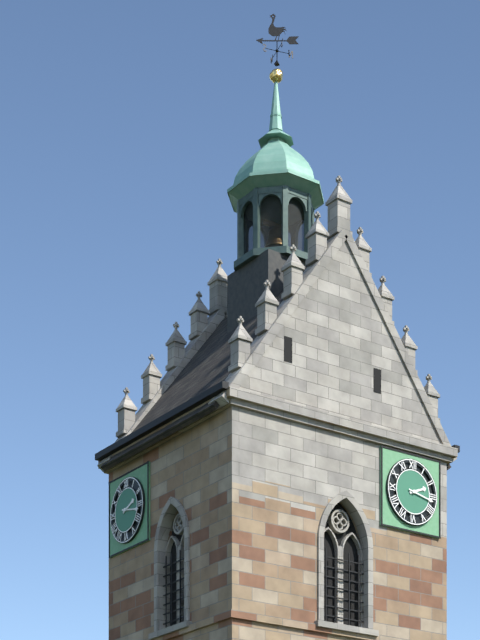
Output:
2.17
